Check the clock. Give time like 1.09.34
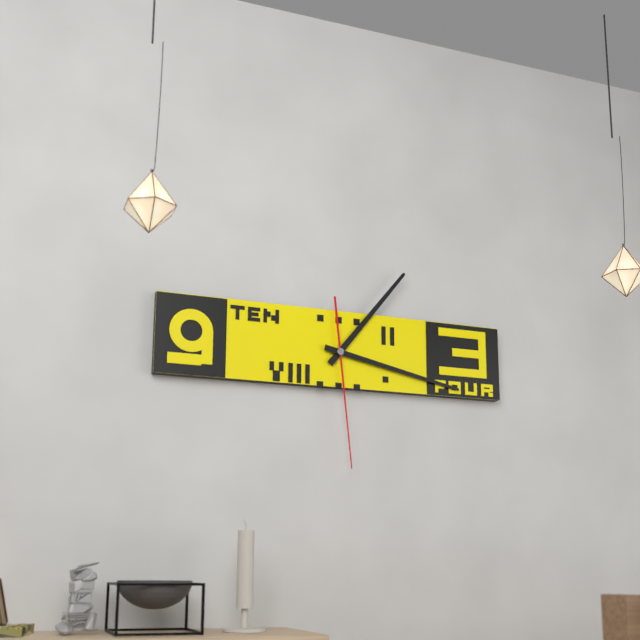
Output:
1.17.29
